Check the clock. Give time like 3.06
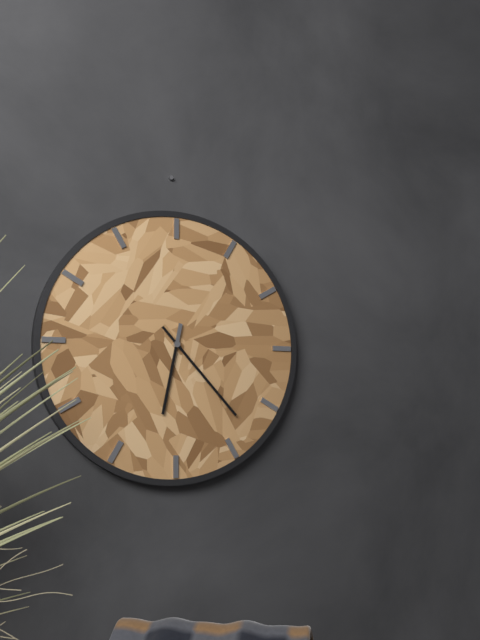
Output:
6.23
